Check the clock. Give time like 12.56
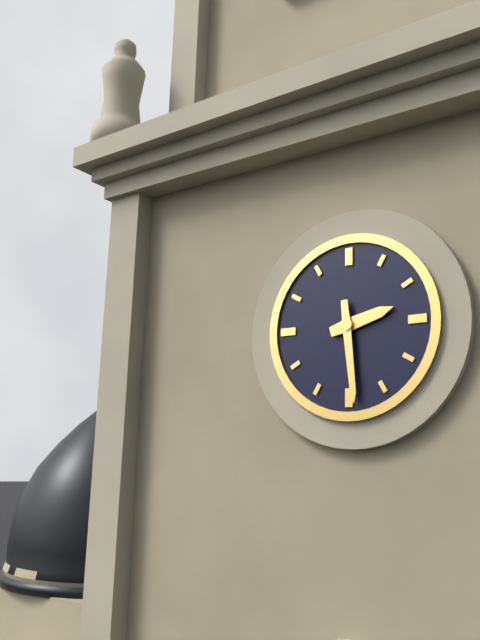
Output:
2.29
